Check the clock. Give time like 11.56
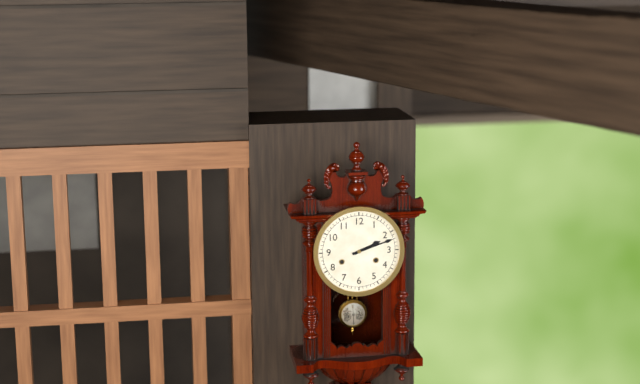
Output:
2.12
